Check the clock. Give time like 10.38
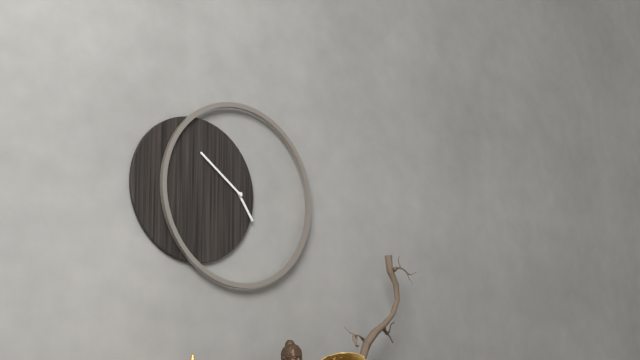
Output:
4.51
